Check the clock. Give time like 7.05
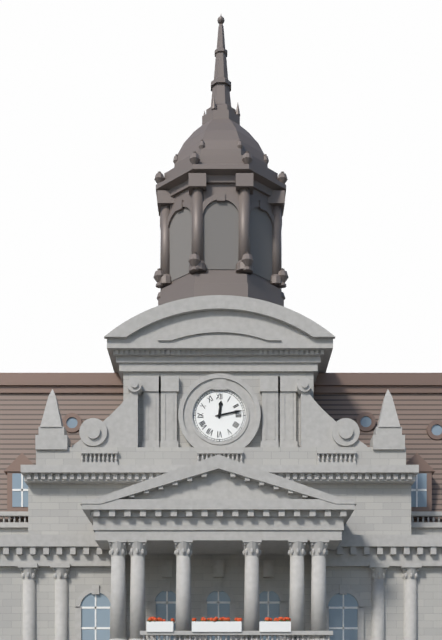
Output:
12.13
